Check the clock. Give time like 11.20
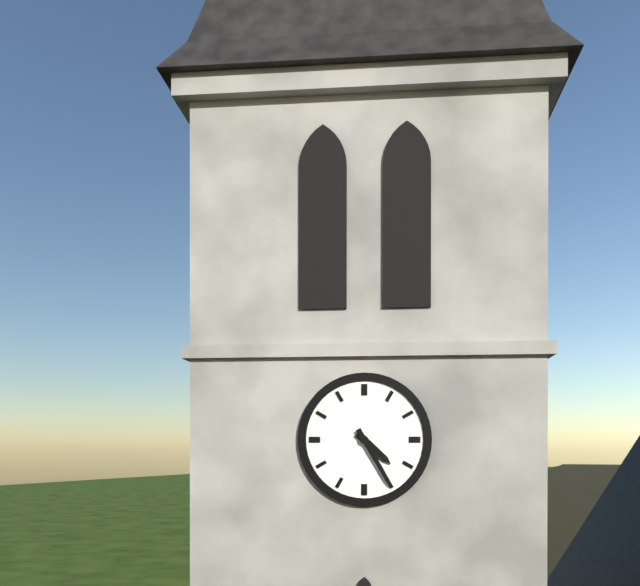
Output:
4.25
